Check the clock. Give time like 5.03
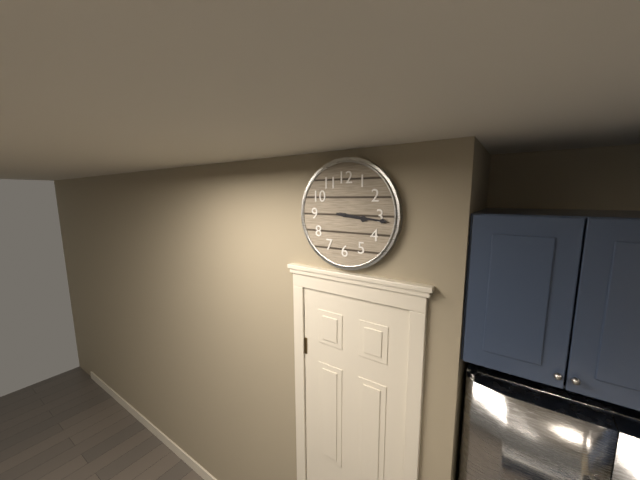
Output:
3.16
